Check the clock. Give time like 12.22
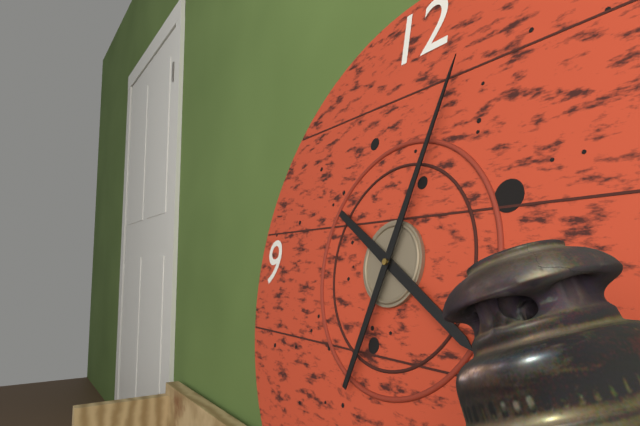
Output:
4.03
